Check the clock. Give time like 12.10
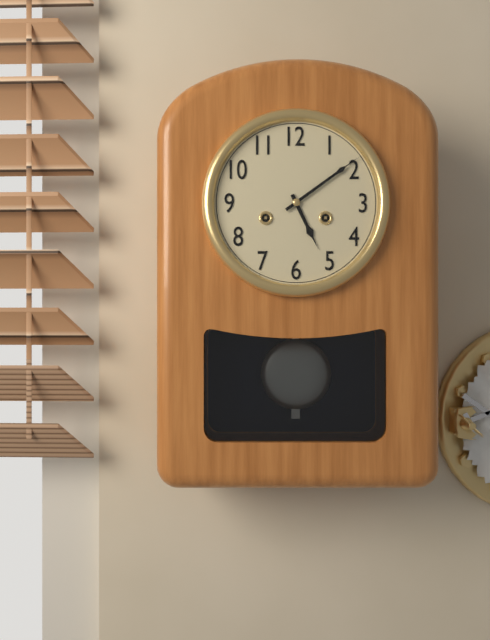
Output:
5.09
